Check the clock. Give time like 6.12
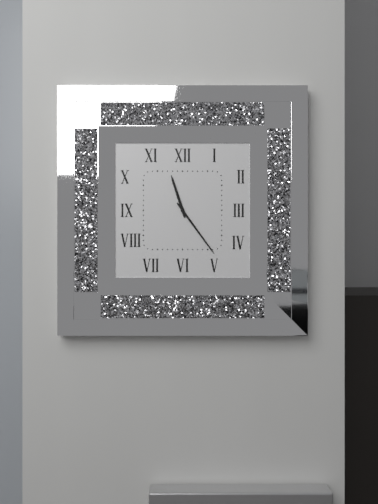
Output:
11.24
